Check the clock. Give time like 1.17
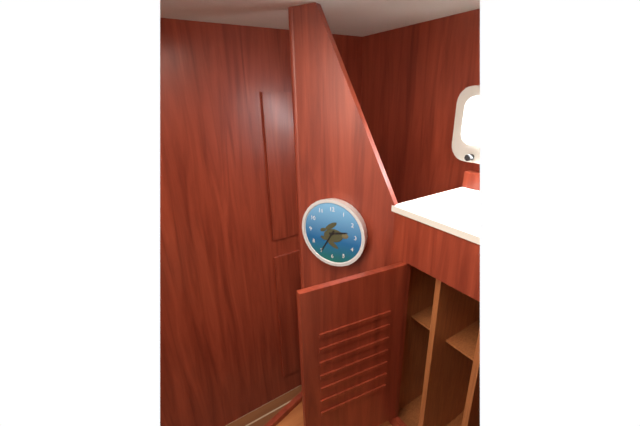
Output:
2.35
